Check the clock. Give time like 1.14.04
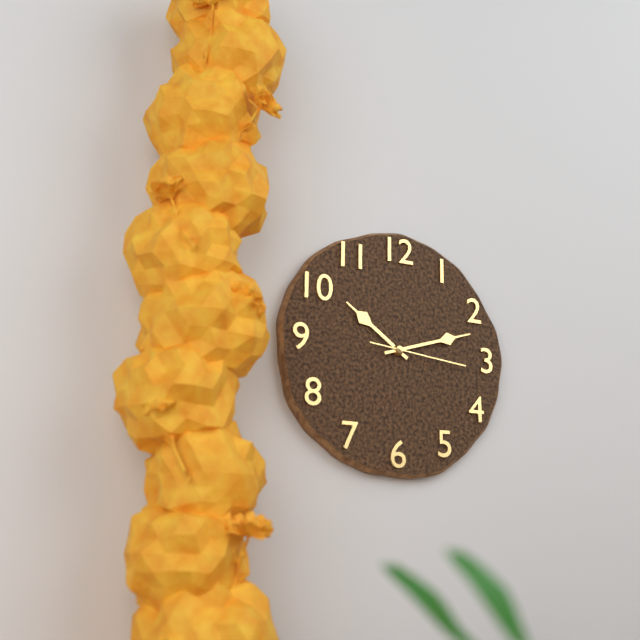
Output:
10.12.16
